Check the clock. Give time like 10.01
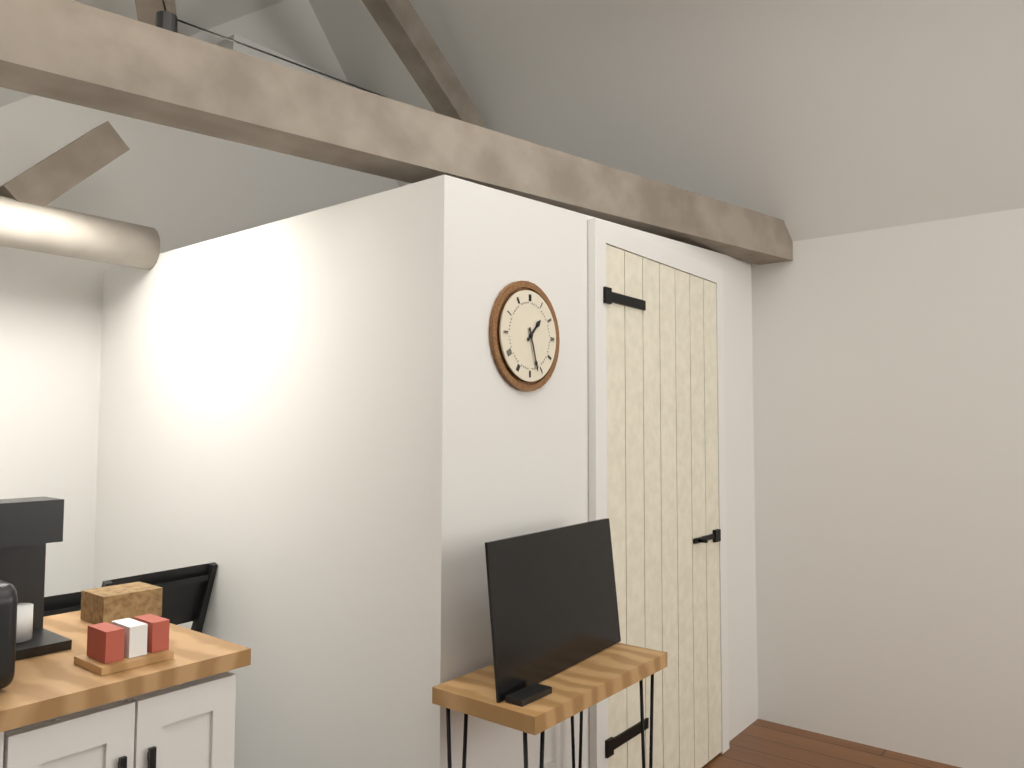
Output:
1.27
